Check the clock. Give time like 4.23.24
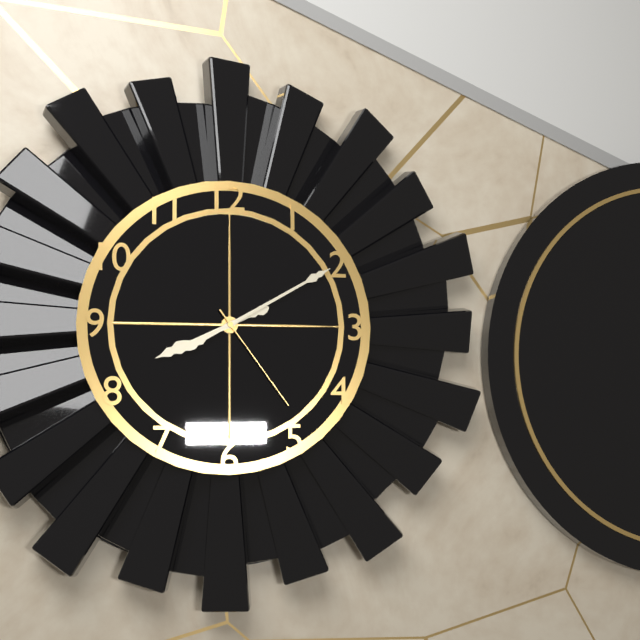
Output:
8.10.24
